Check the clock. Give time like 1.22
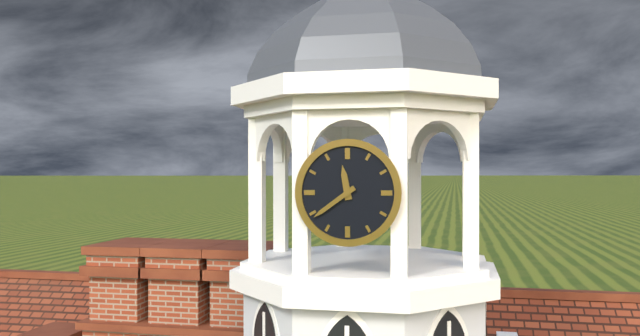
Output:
11.39
